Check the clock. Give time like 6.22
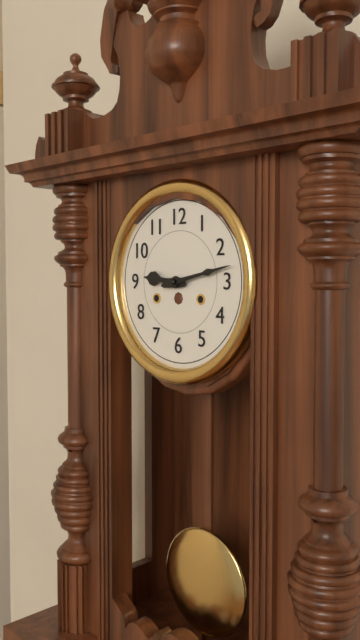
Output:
9.13
